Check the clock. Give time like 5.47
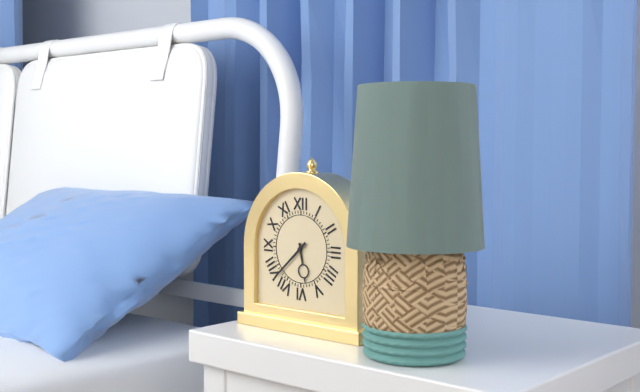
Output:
5.38
